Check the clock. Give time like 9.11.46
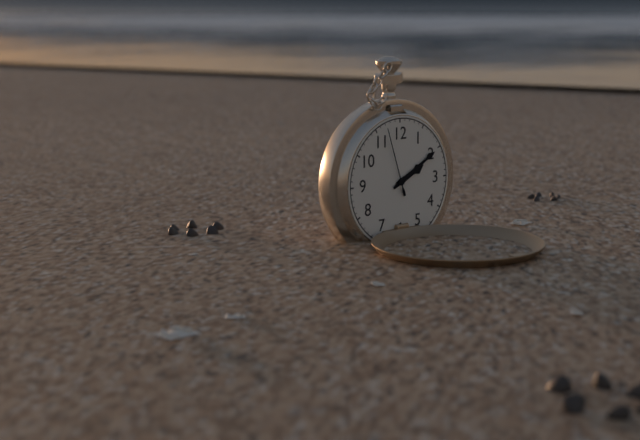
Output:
2.10.57
